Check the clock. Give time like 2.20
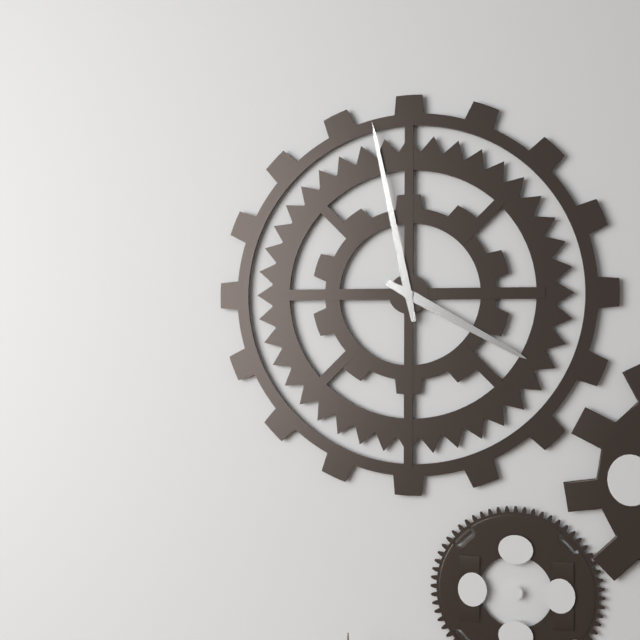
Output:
3.58
